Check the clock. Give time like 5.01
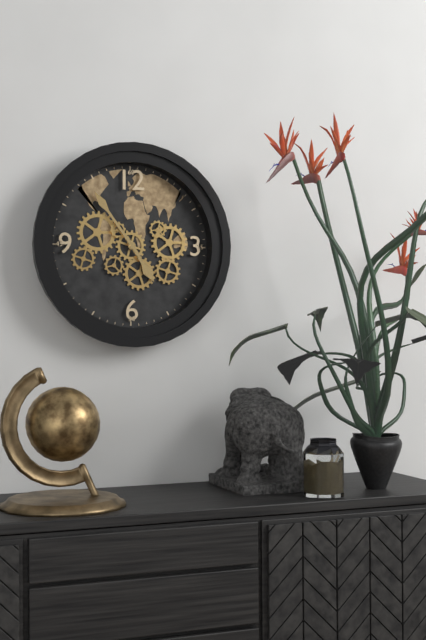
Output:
4.54
